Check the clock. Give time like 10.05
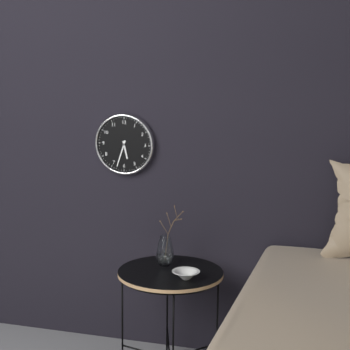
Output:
5.33
